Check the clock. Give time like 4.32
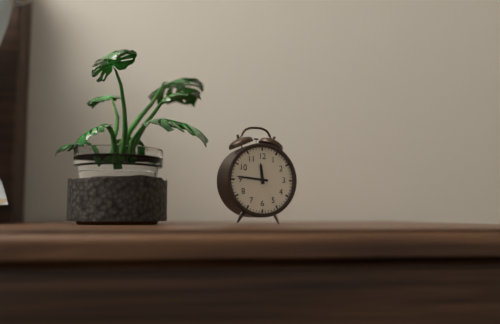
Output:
11.46
